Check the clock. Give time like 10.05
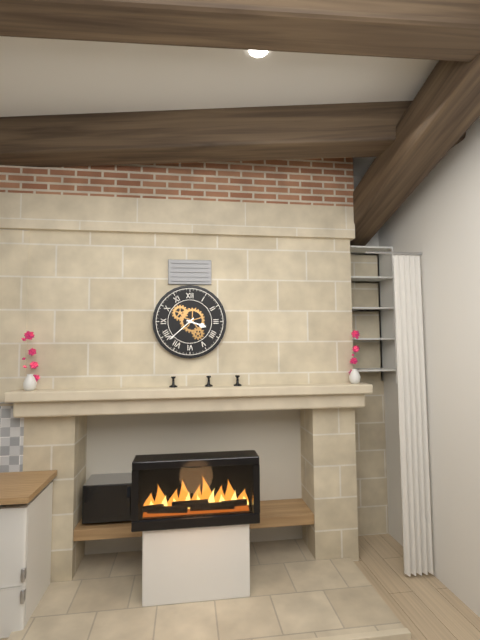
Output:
3.38
